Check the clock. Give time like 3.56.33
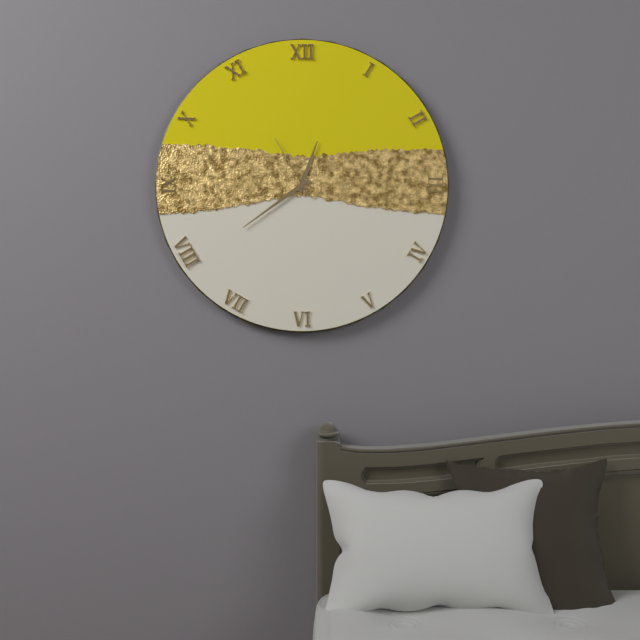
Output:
12.39.55
